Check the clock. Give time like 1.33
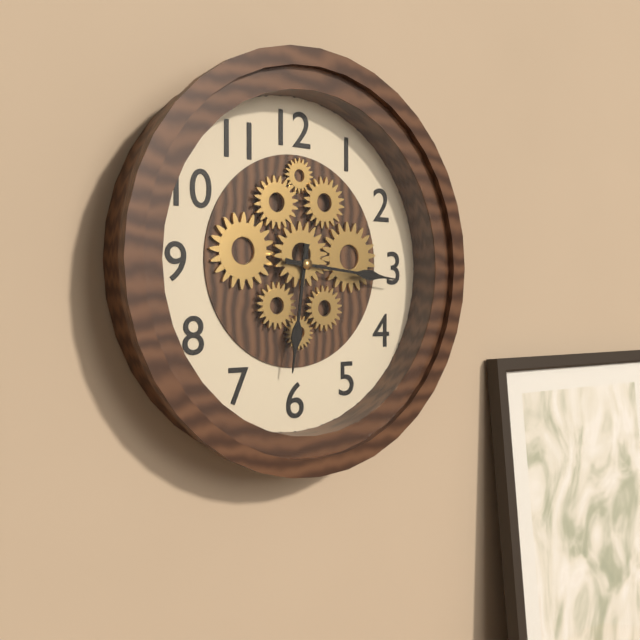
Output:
6.16
